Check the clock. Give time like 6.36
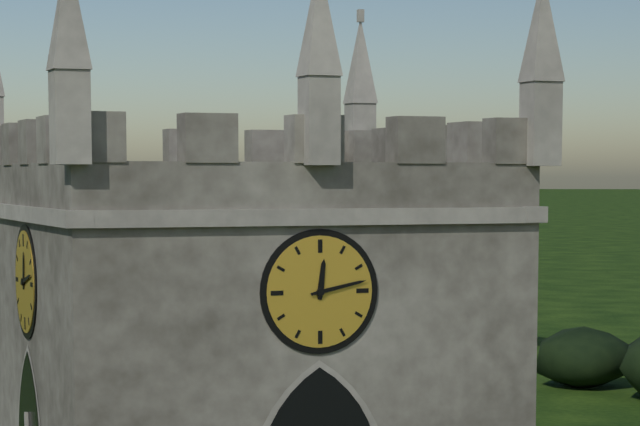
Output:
12.13
